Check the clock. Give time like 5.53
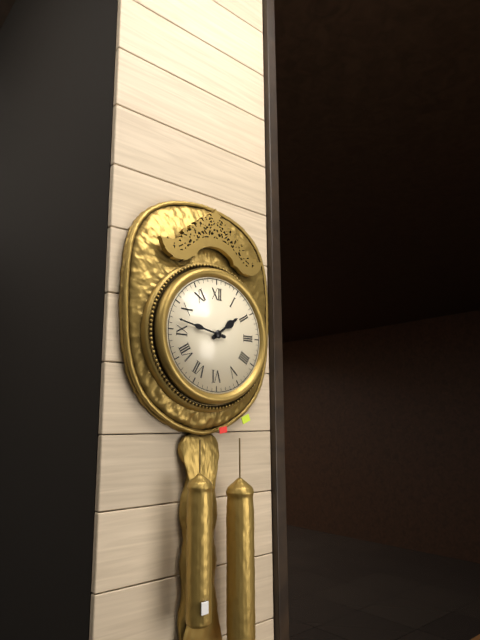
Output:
1.47
